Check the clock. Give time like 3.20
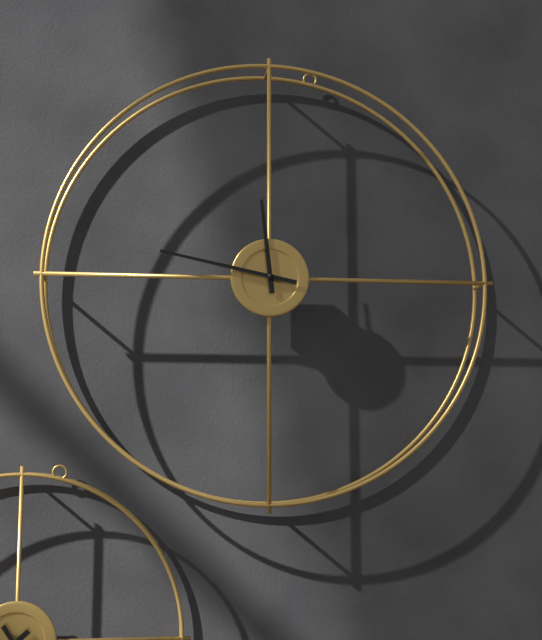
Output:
11.47
